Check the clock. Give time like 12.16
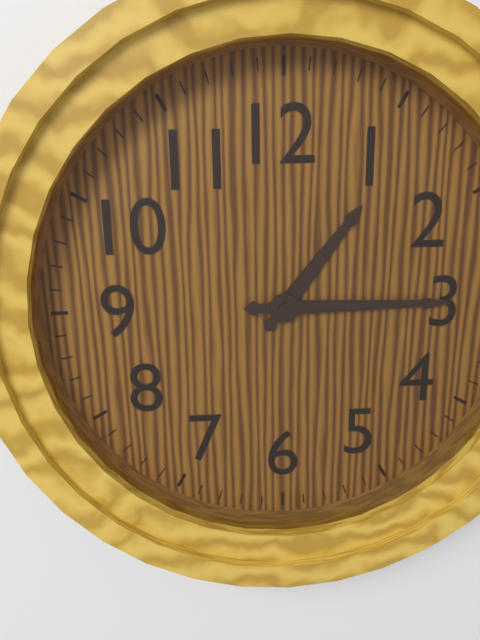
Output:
1.15
